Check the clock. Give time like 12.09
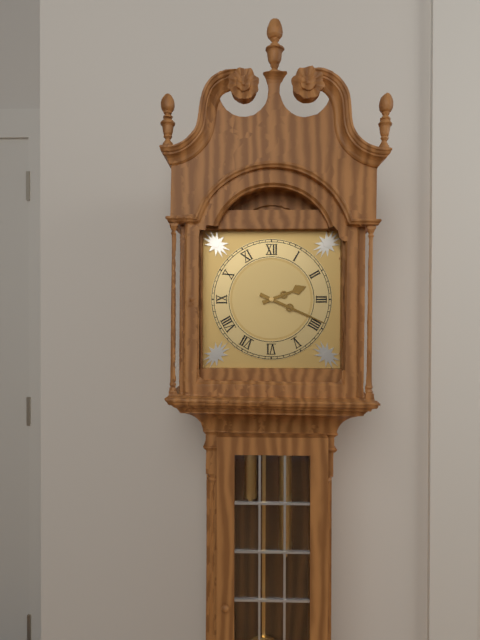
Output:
2.19
